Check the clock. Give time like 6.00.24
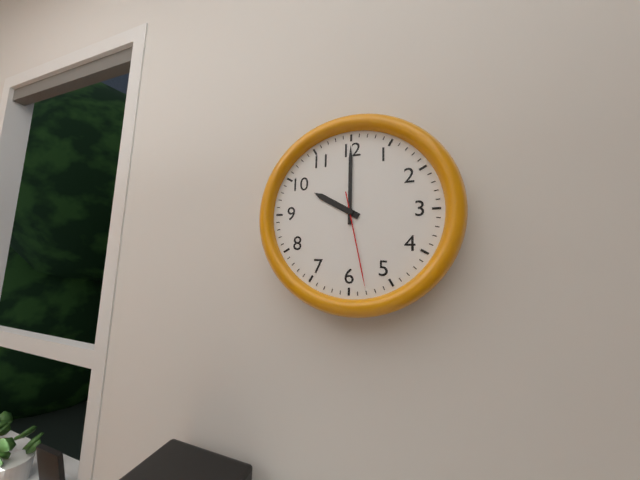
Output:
10.00.28
